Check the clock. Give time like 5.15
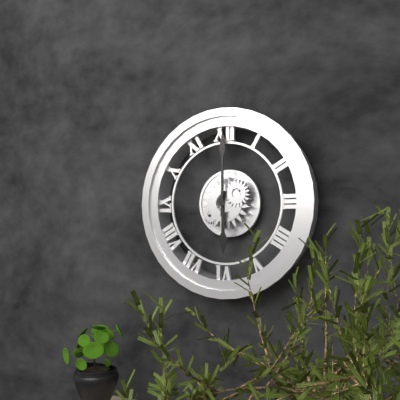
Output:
6.00
